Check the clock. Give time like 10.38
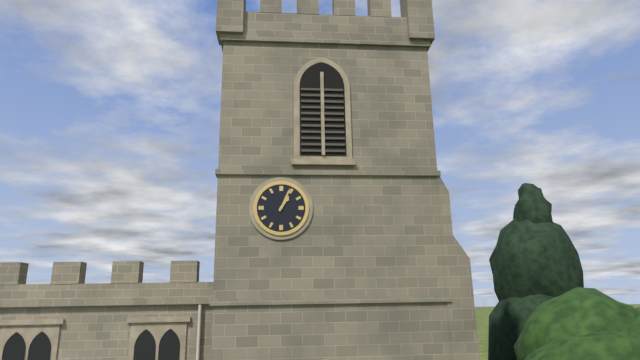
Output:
1.04
